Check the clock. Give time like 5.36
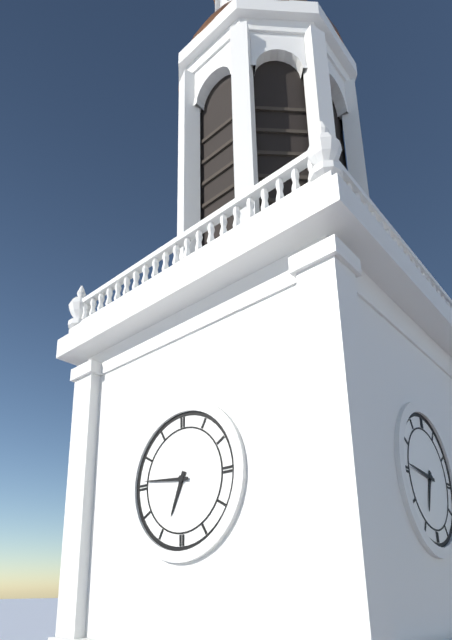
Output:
6.46
